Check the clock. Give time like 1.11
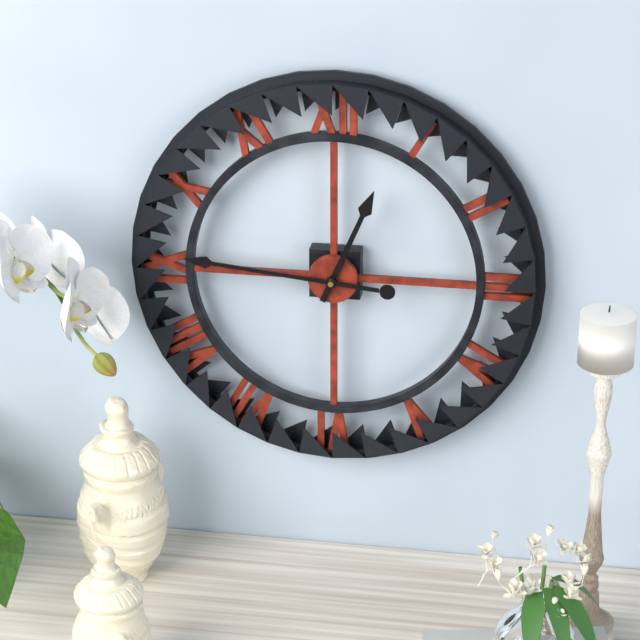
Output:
12.46
